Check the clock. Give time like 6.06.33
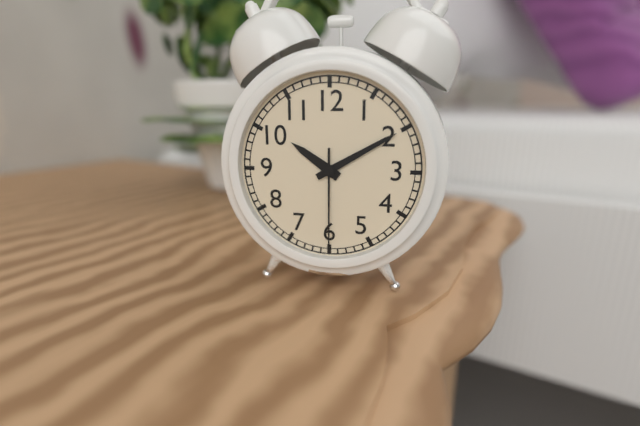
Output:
10.10.30
